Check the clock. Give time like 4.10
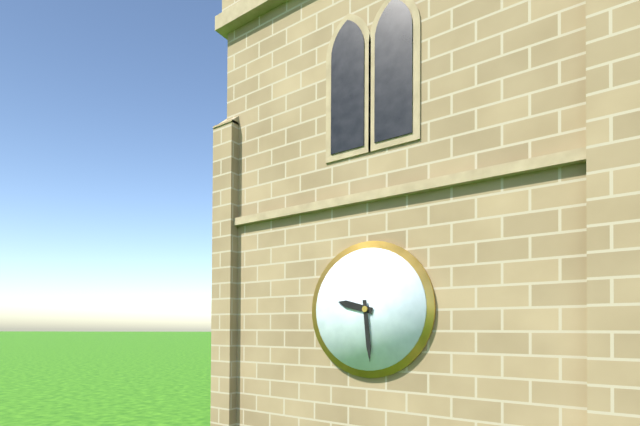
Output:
9.29
